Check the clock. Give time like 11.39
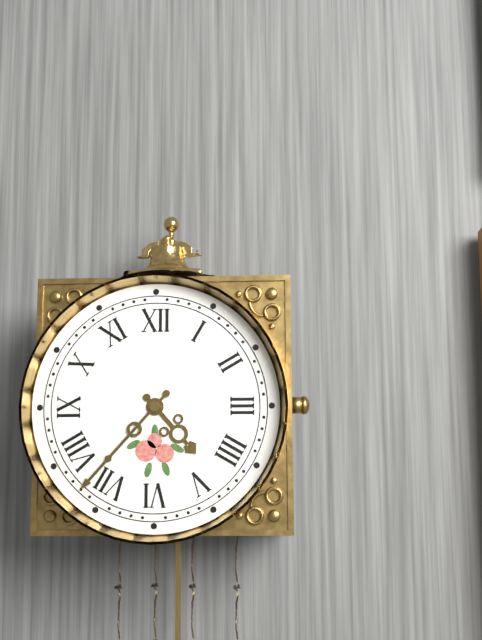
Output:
4.37
